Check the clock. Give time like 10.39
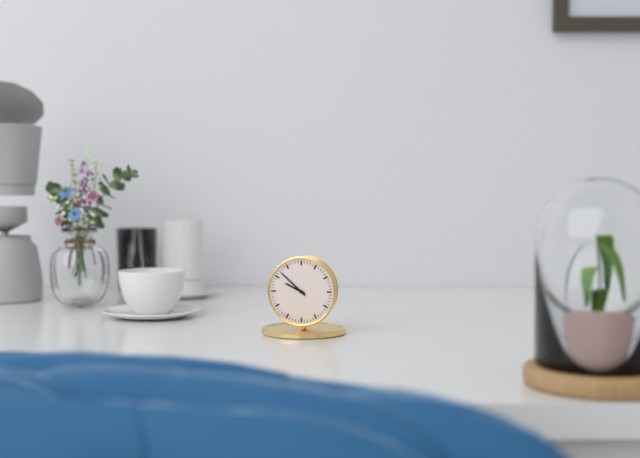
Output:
9.52
